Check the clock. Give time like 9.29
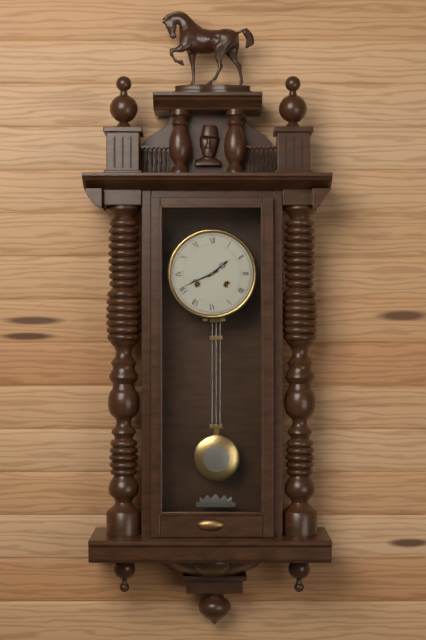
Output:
1.41
